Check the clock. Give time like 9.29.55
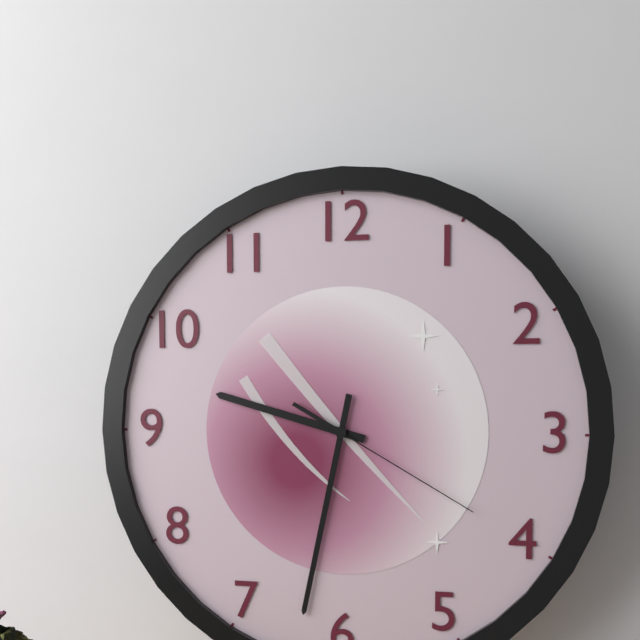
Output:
9.32.20
